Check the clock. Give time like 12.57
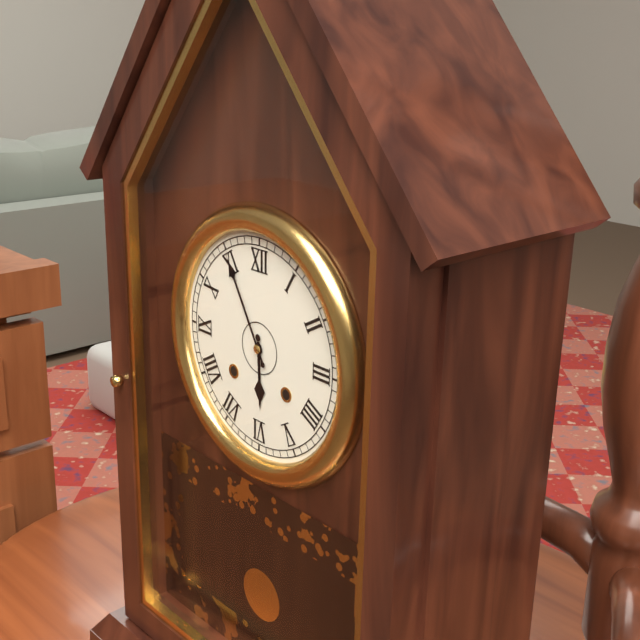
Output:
5.55
